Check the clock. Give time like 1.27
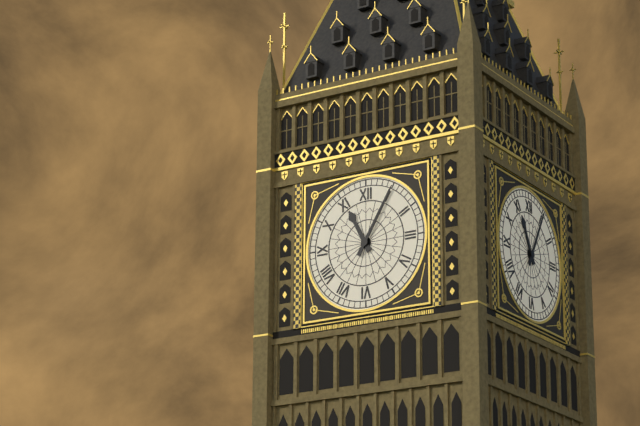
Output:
11.05
